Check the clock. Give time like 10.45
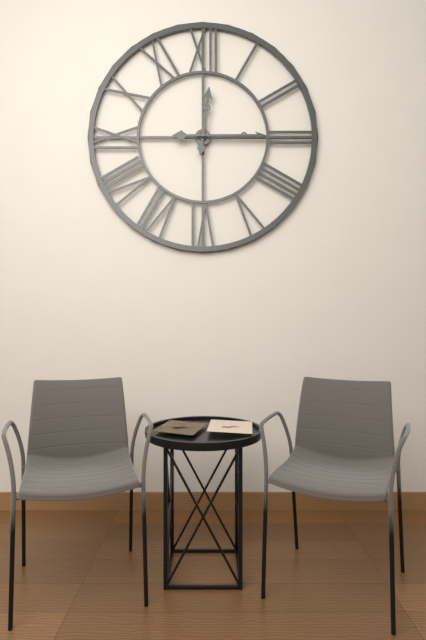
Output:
12.15
